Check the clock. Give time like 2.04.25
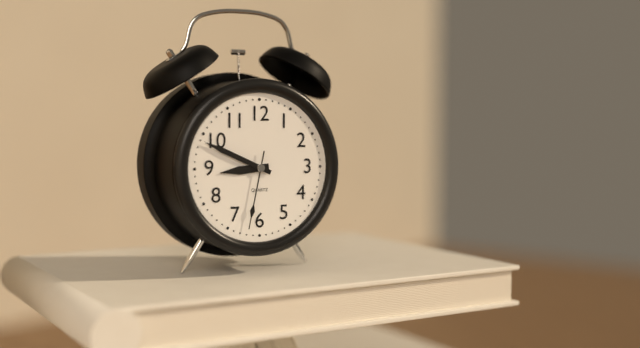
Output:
8.49.32
